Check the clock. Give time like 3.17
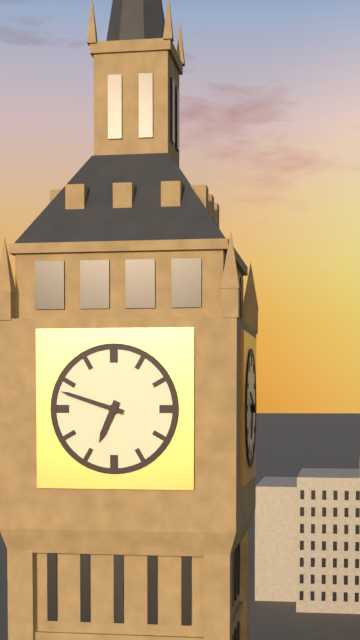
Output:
6.48
